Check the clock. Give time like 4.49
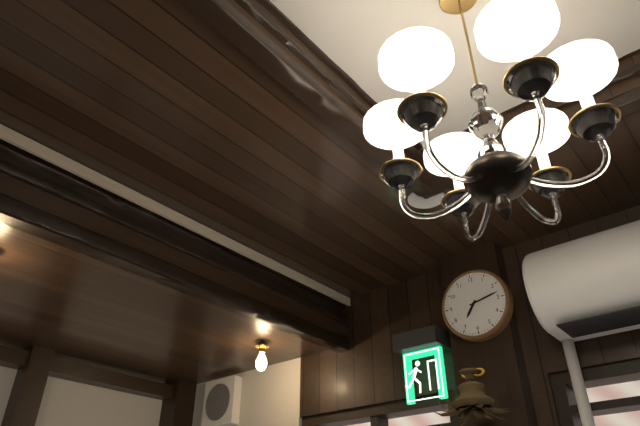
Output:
7.13
